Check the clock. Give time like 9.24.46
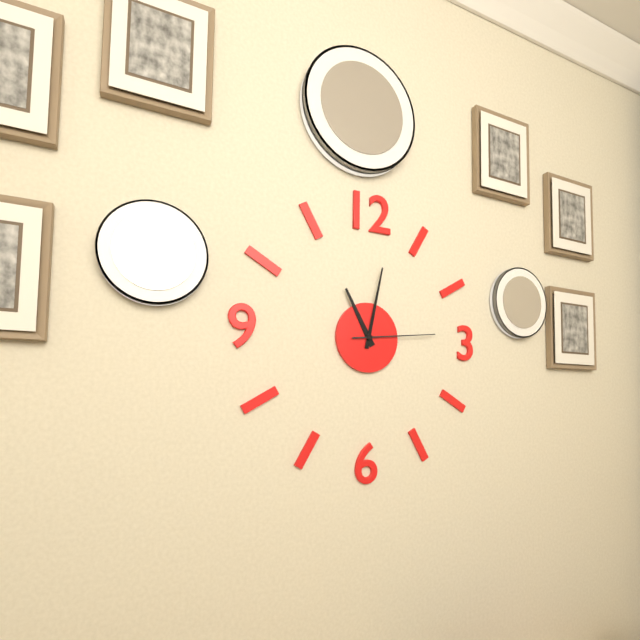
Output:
11.02.14
